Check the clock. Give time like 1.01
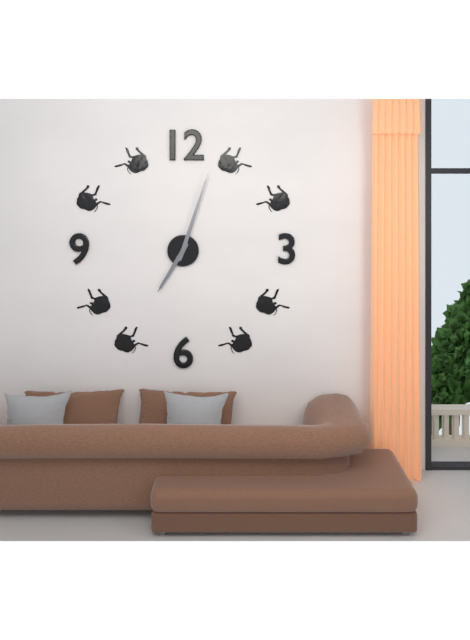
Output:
7.03
